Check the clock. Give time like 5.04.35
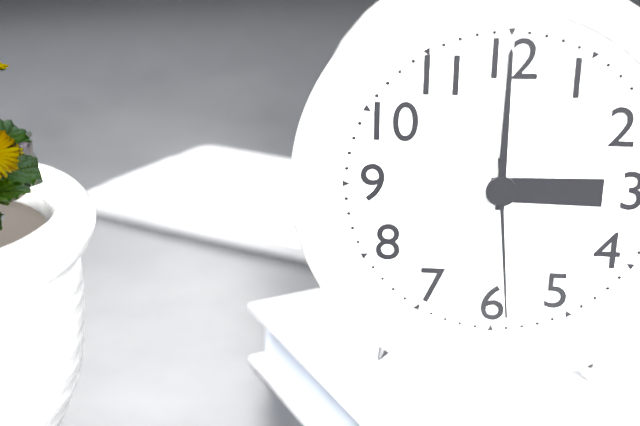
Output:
3.00.29
